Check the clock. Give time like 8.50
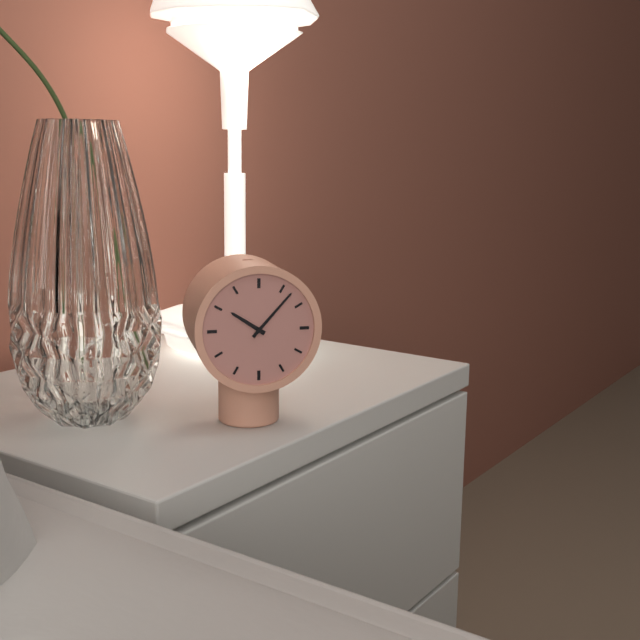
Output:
10.07
